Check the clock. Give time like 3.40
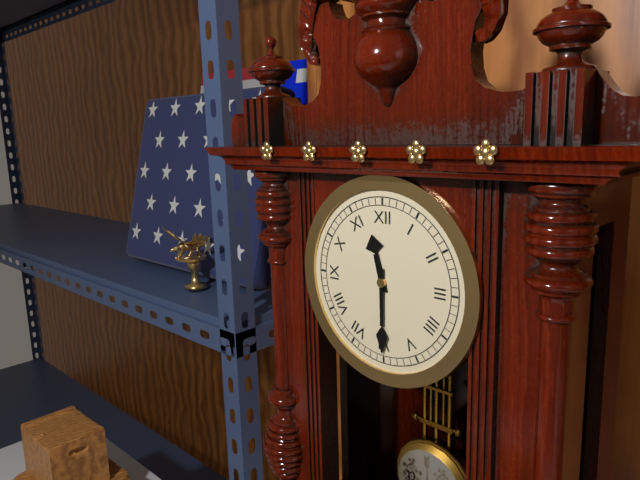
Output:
11.30
